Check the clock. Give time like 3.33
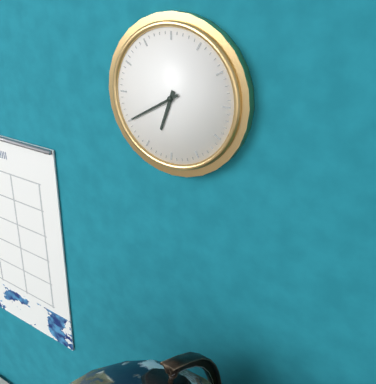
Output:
6.40
